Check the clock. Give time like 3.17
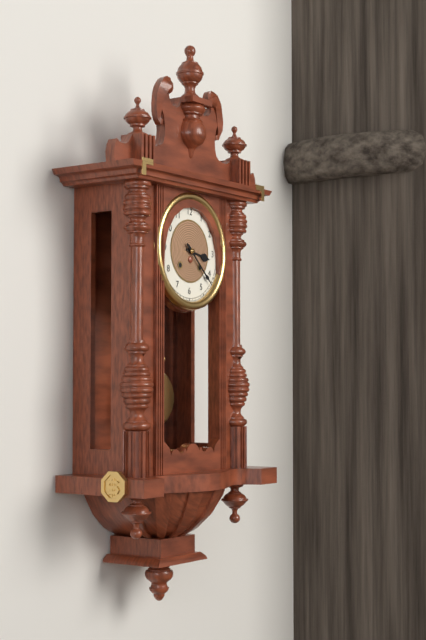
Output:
3.22
